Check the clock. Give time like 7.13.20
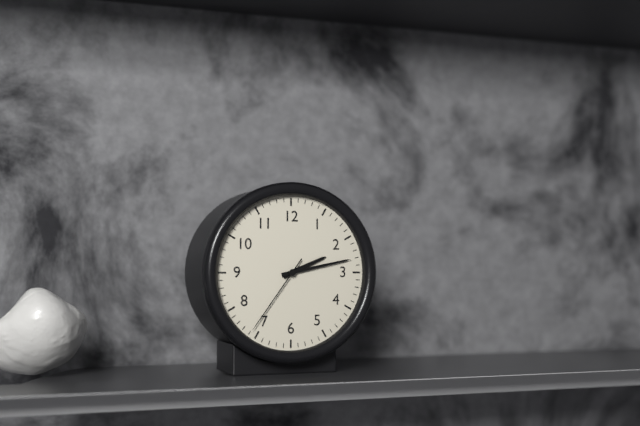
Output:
2.13.36
